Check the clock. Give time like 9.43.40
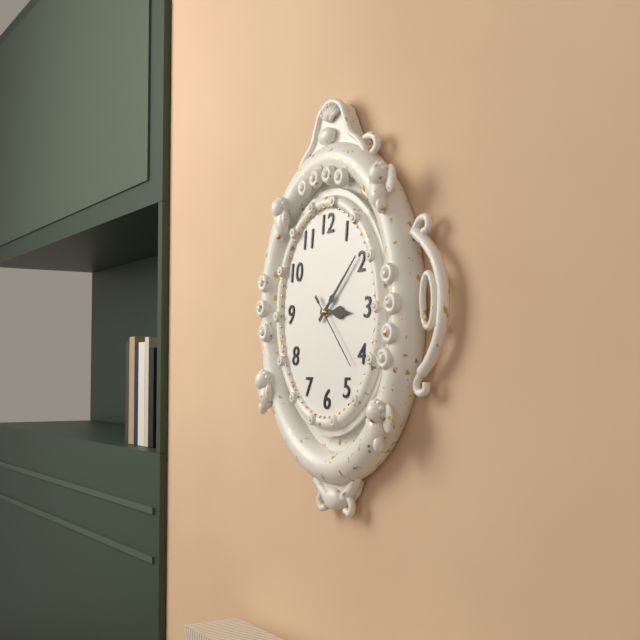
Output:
3.08.23
